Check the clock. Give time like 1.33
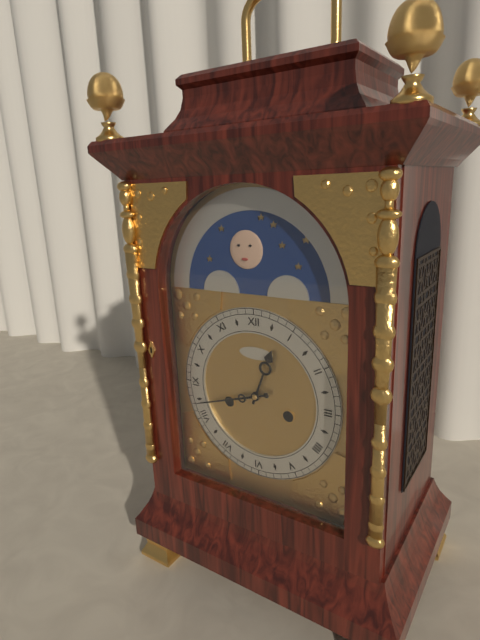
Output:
12.42
